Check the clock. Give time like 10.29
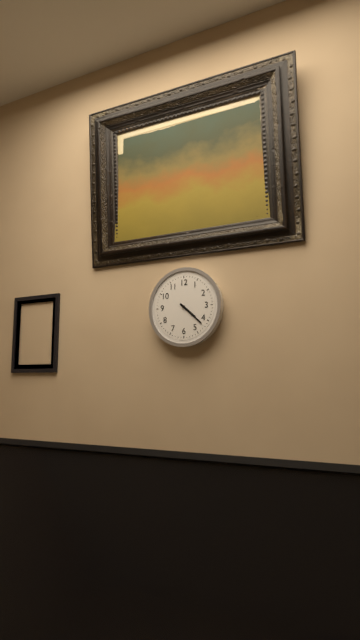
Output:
4.22
